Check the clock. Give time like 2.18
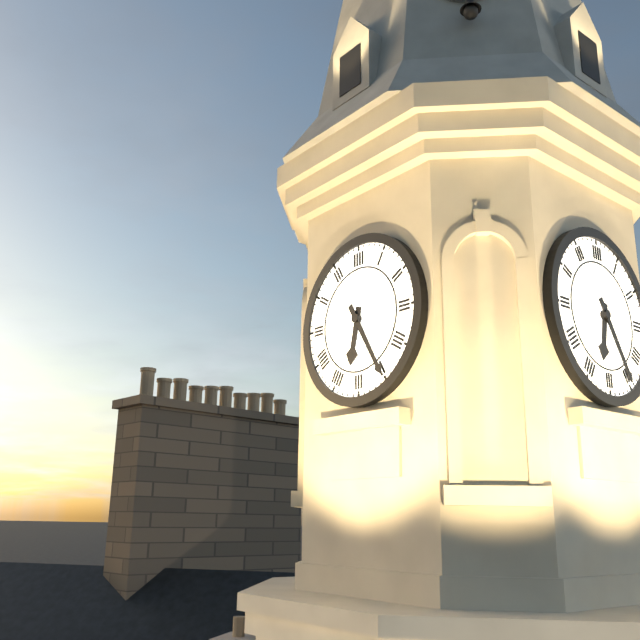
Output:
6.25
